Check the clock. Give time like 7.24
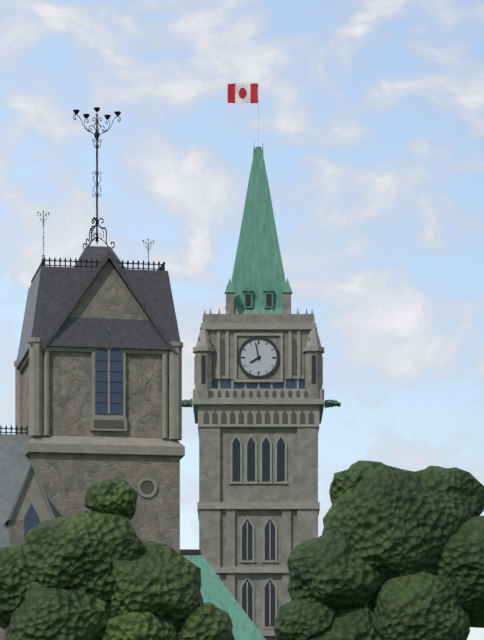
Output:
7.58
